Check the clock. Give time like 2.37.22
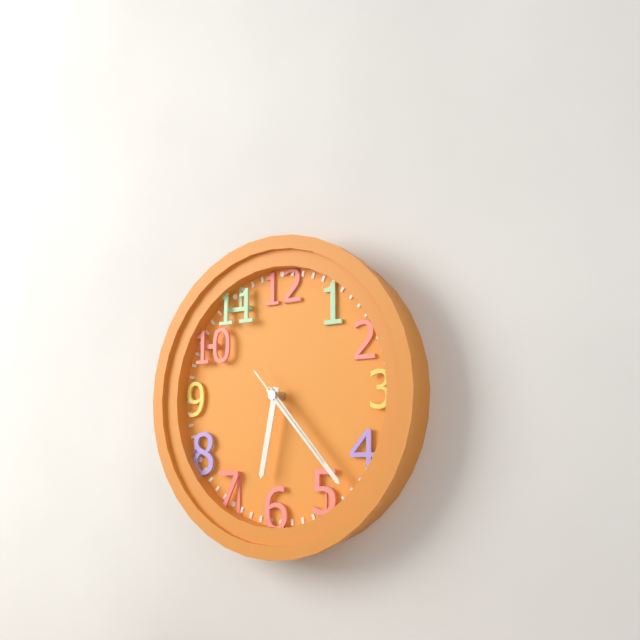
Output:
6.23.23
